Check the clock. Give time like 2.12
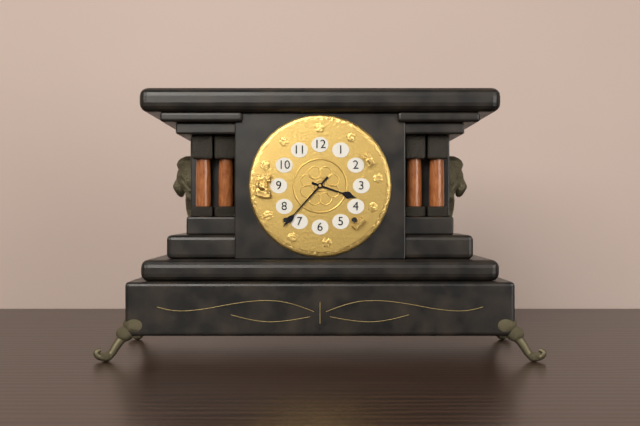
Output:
3.37
